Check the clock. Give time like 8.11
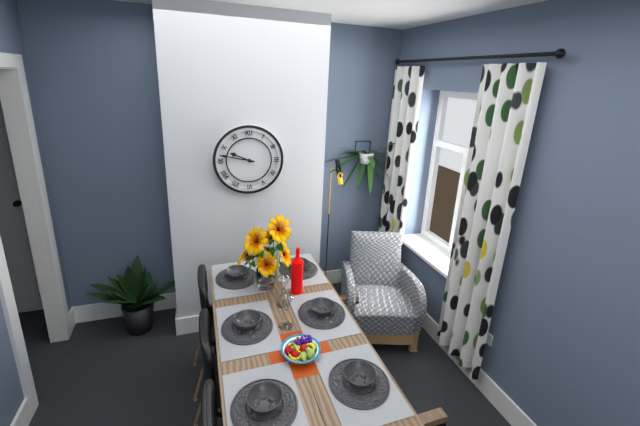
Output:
9.47
